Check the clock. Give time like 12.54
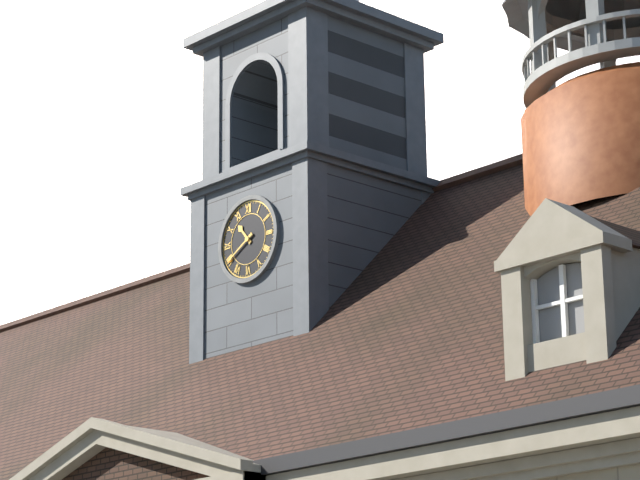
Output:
10.40
